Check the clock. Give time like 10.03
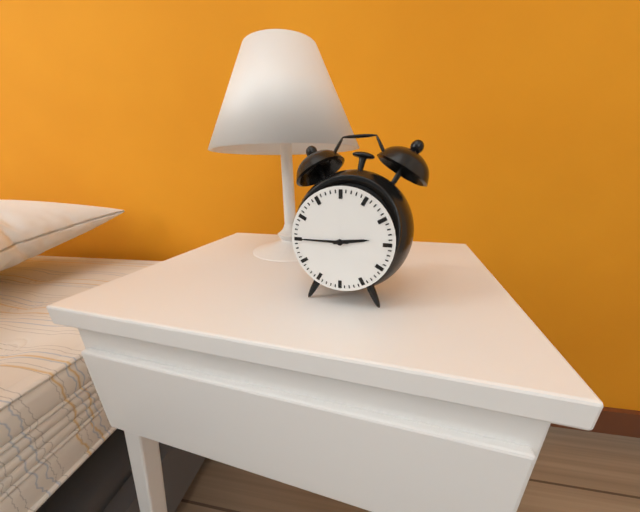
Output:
2.45
